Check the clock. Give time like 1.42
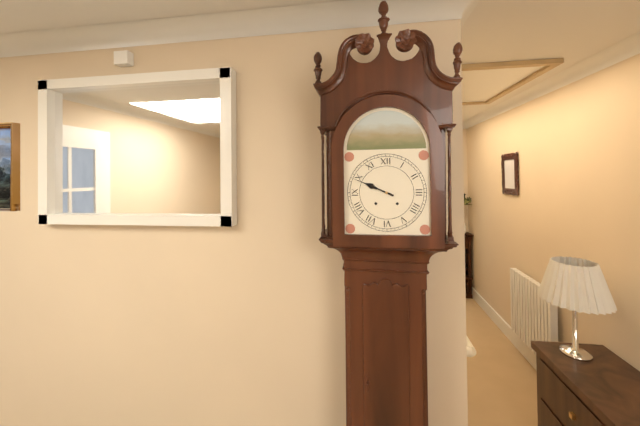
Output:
9.49
